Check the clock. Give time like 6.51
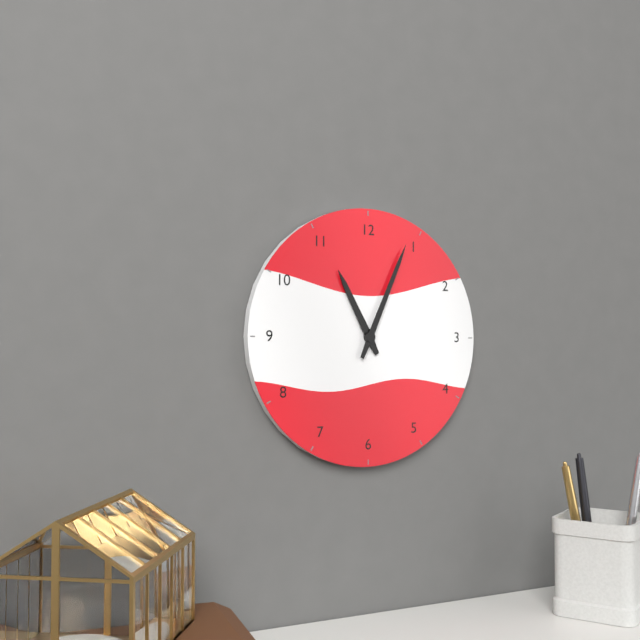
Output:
11.04
